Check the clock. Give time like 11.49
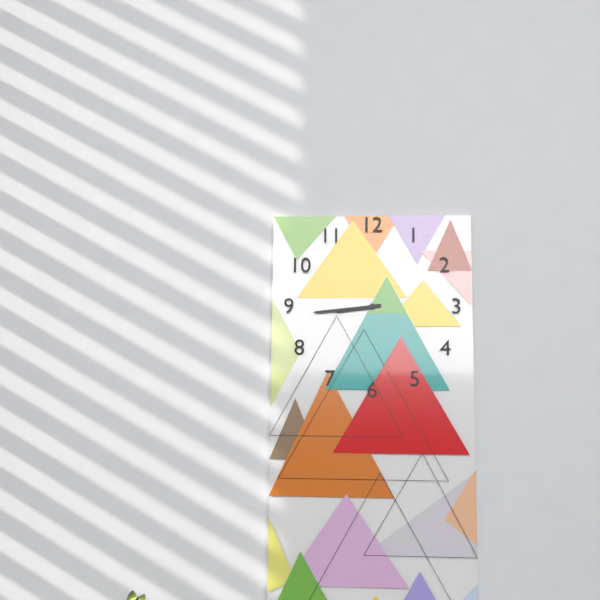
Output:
8.44
